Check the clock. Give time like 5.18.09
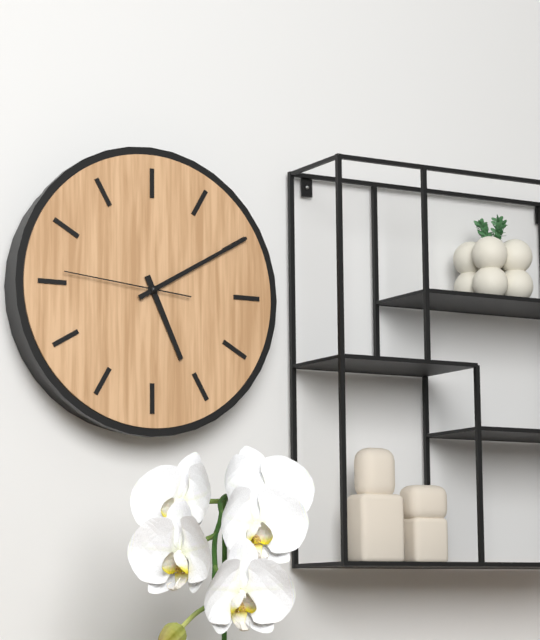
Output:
5.10.46
